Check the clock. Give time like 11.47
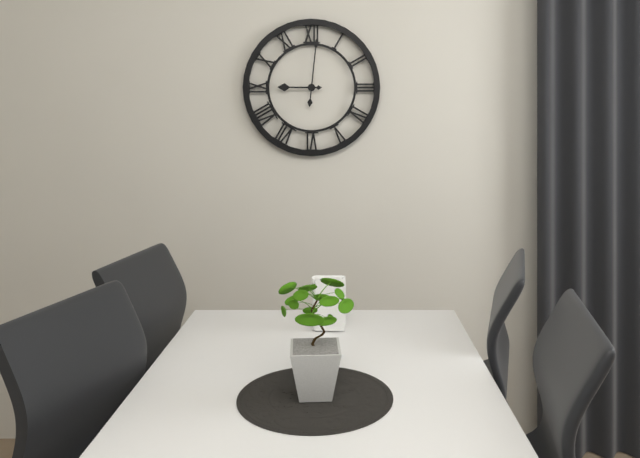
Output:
9.01
